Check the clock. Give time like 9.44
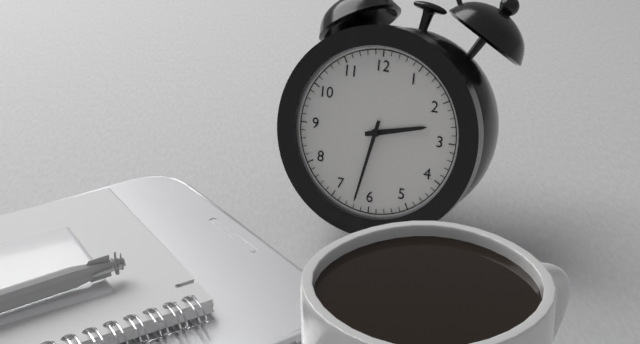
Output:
2.32
